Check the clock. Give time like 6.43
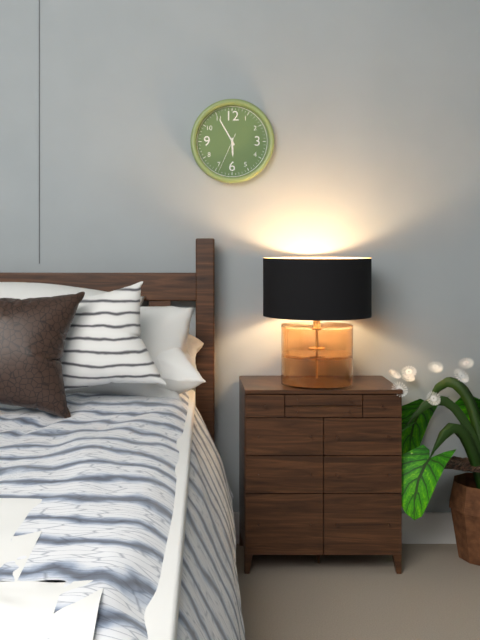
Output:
5.55
